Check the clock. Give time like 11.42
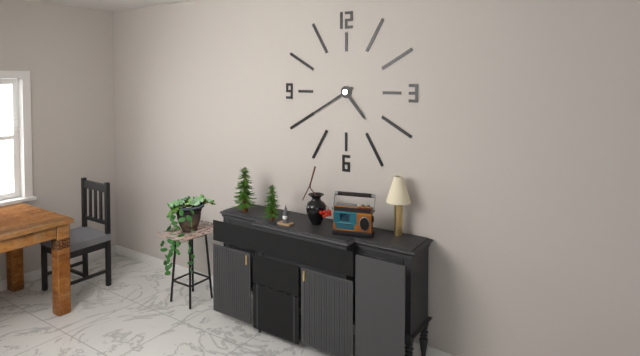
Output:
4.40
